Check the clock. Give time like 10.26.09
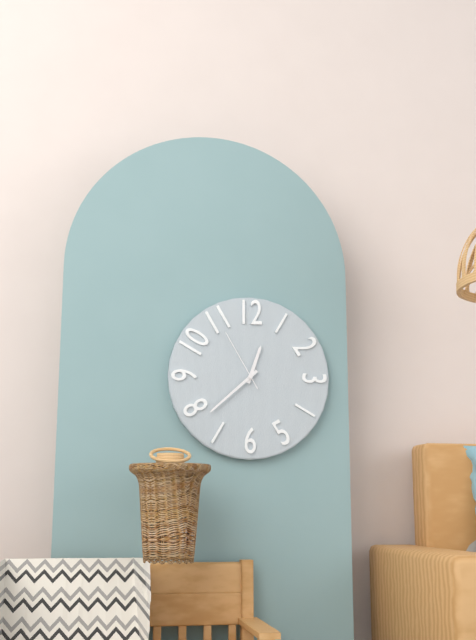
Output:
12.38.55
